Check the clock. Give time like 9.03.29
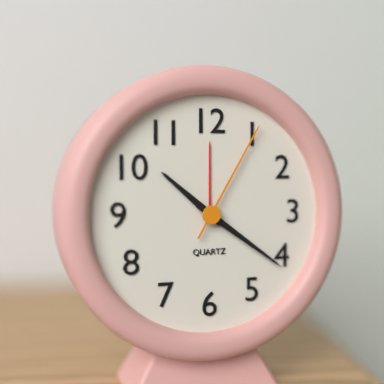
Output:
10.21.05
